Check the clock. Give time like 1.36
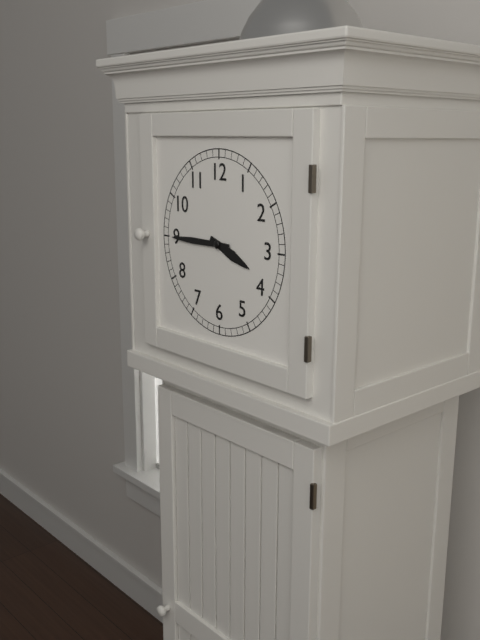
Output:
3.45
